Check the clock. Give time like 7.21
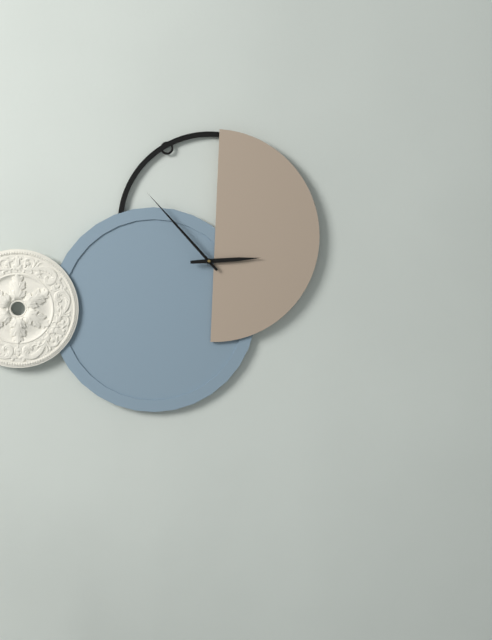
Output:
2.53
